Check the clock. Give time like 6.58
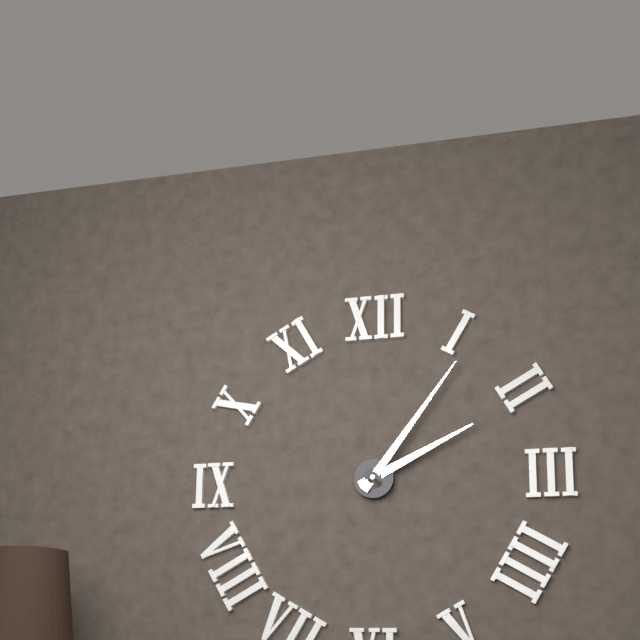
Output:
2.06
